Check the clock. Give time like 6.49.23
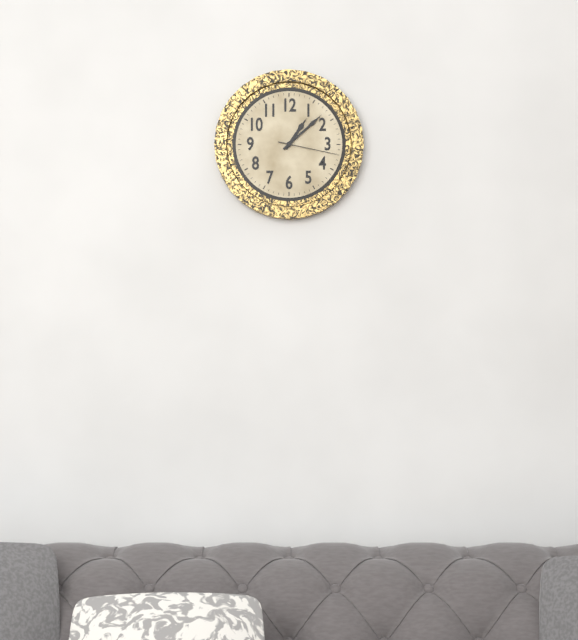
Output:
1.08.17
